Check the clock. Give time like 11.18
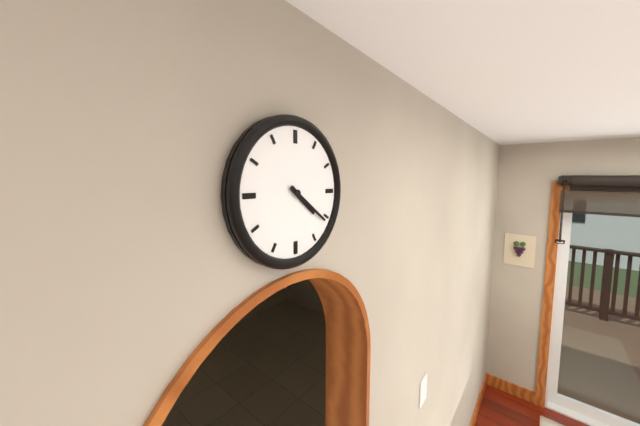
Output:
4.21
